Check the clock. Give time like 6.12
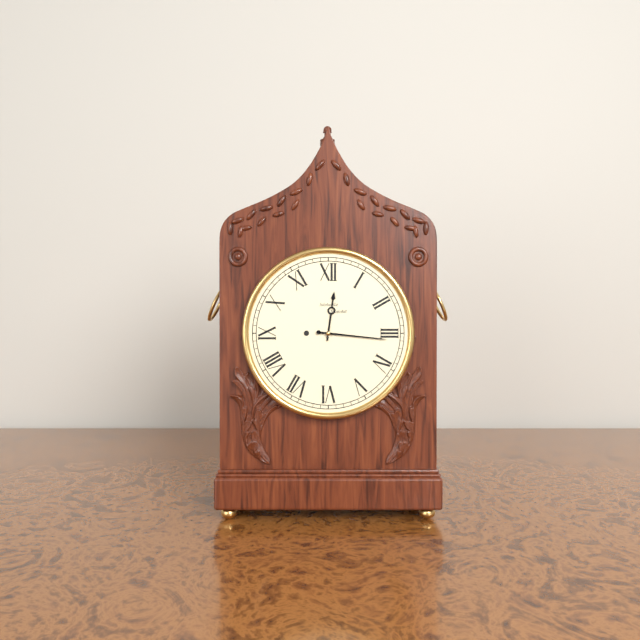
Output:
12.16
